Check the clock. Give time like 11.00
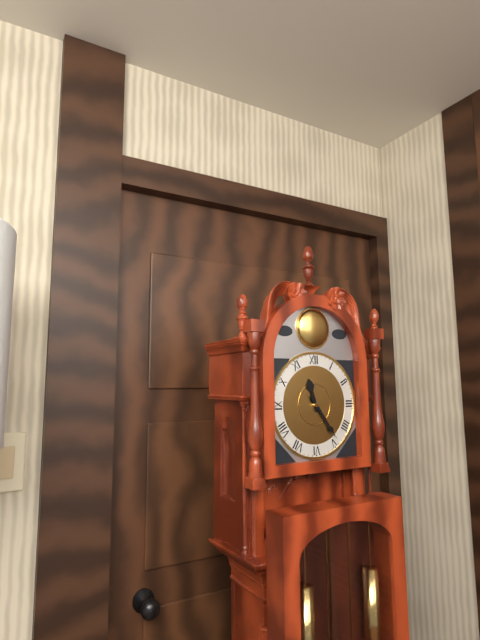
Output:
11.24
